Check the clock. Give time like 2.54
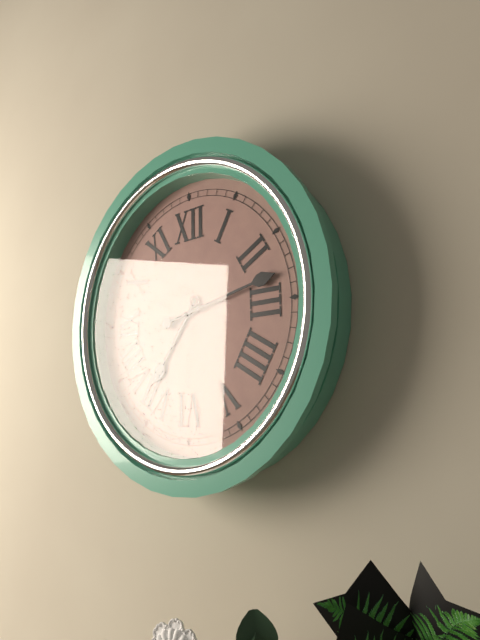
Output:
7.13
